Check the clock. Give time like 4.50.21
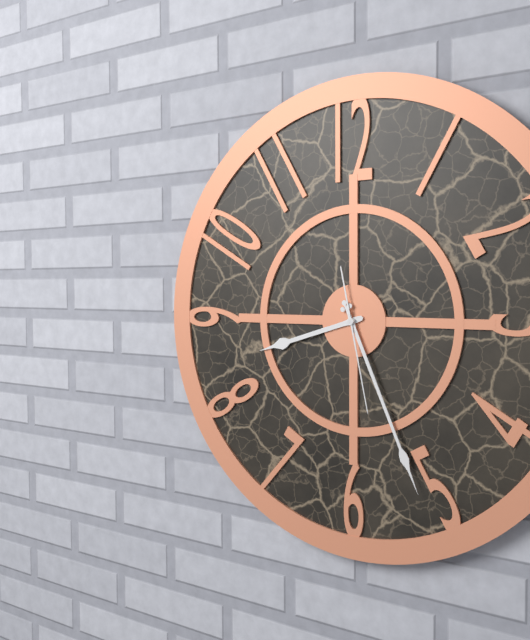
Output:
8.26.28
